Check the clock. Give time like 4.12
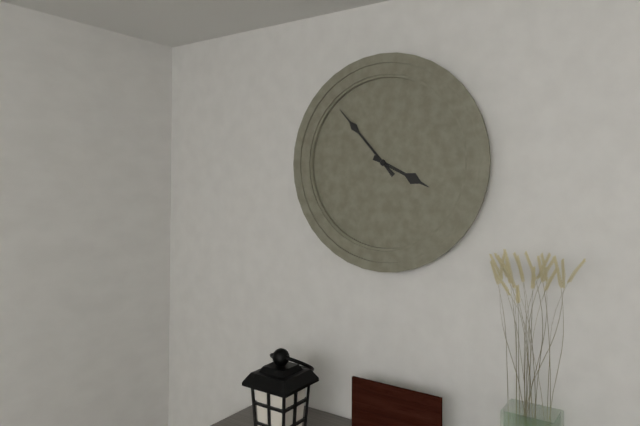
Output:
3.53
